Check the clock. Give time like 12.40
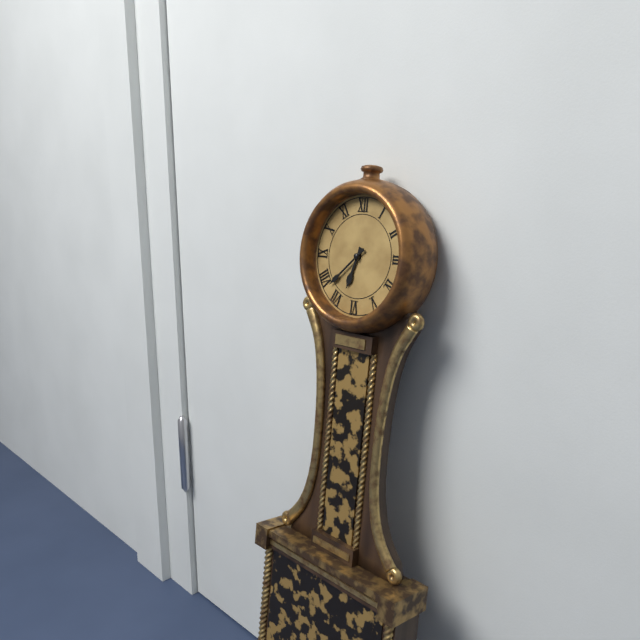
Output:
6.38
